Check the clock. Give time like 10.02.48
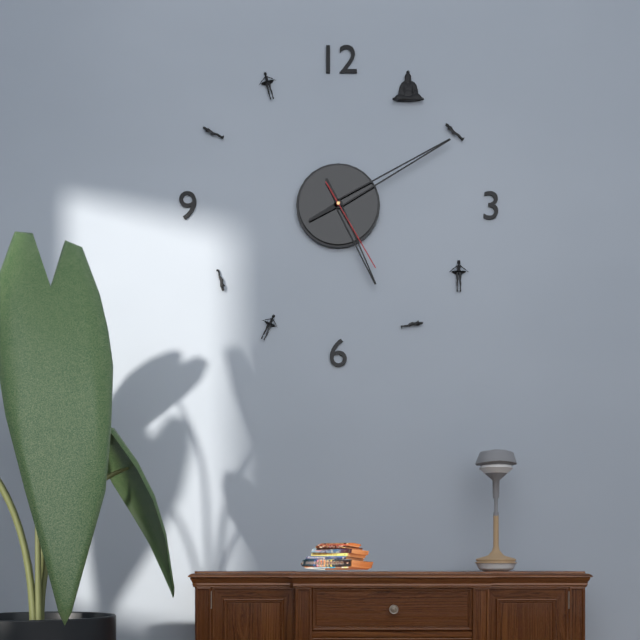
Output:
5.10.25
